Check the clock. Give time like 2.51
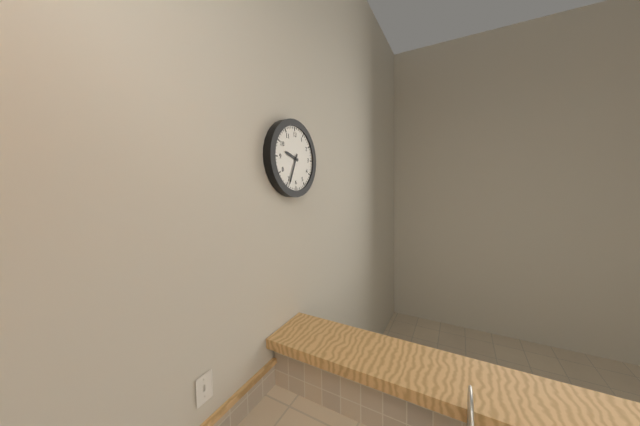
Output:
9.34
